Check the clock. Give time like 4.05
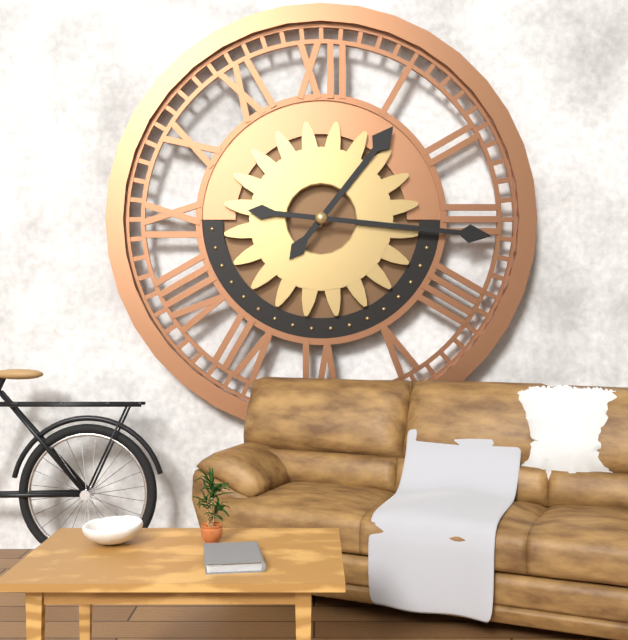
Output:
1.16
